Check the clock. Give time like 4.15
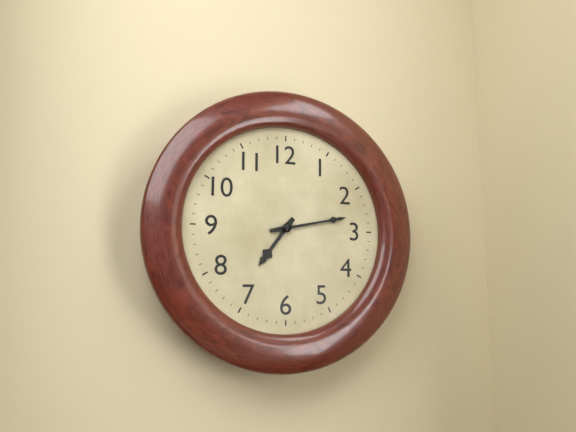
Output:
7.13
